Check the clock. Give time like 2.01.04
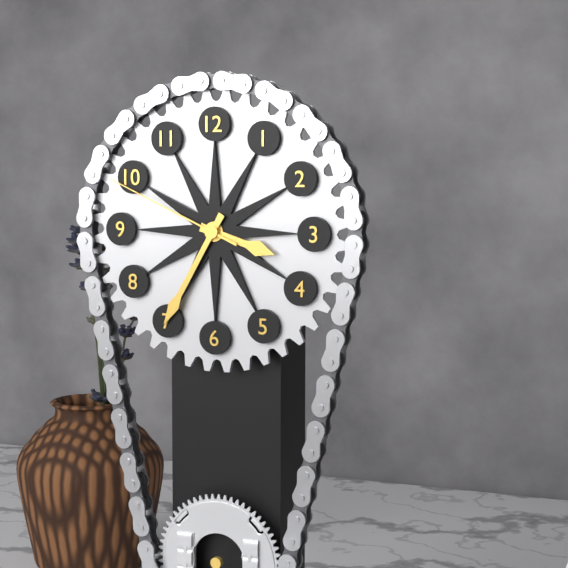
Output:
3.35.49
